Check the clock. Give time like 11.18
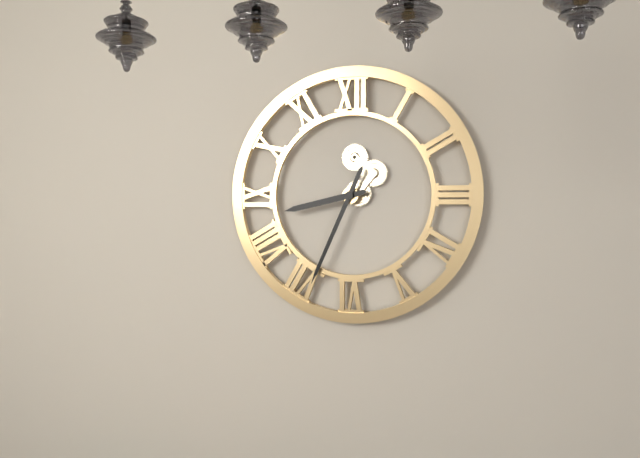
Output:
8.34
